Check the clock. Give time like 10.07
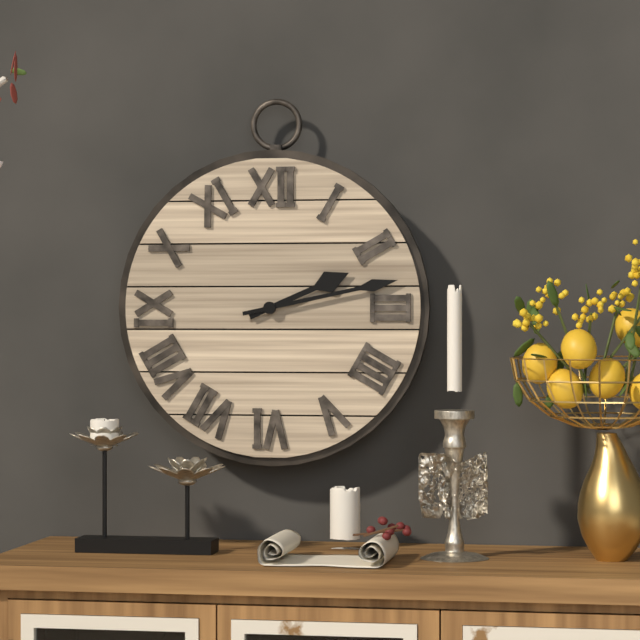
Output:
2.13
